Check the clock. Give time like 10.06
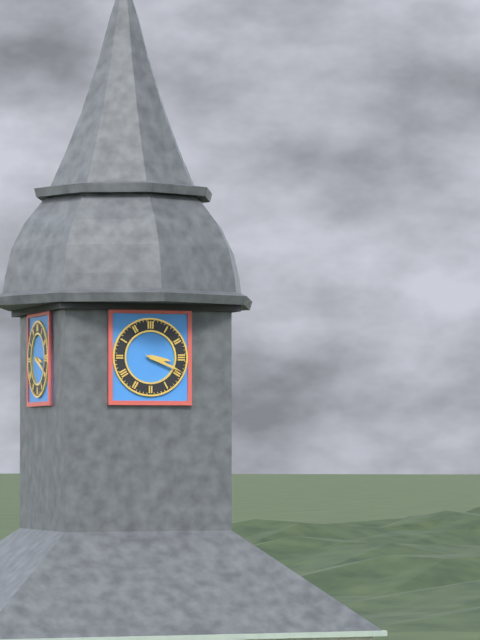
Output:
3.19
